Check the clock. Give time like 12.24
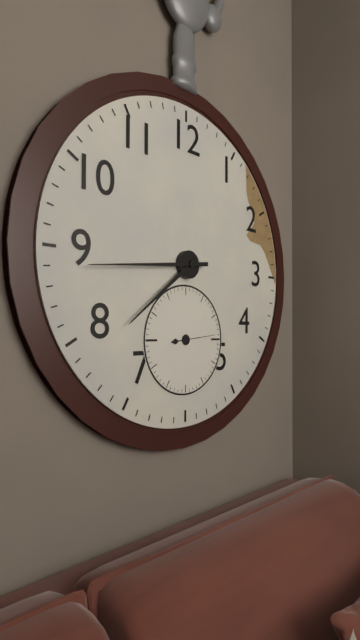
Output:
7.44
